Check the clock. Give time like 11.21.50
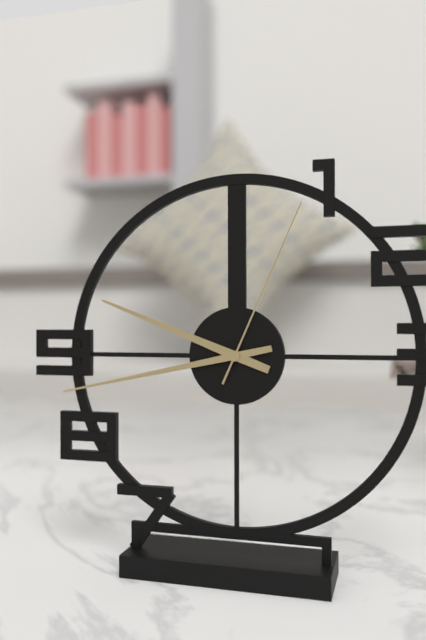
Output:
9.43.04
